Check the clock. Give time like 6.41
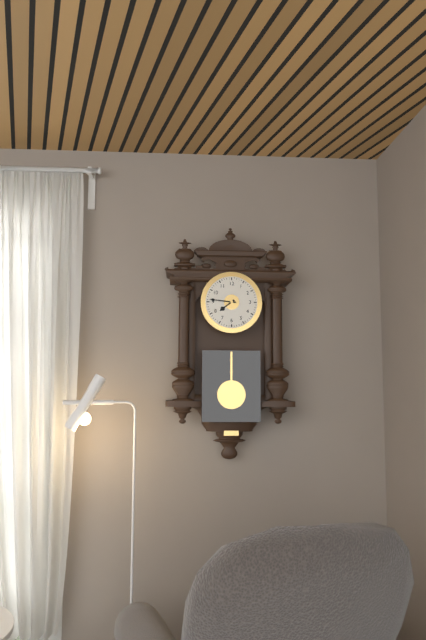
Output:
7.46
